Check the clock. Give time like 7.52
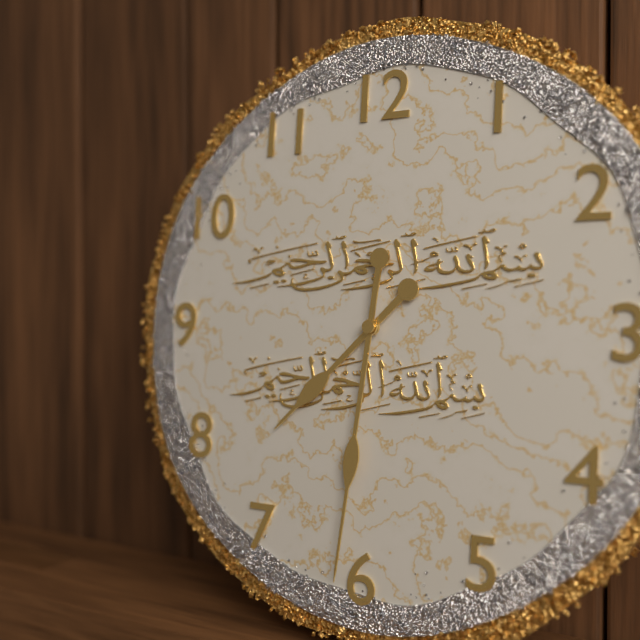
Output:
7.31
